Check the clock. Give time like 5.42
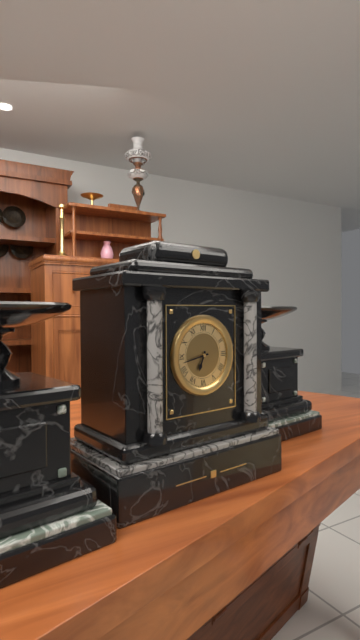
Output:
6.43
